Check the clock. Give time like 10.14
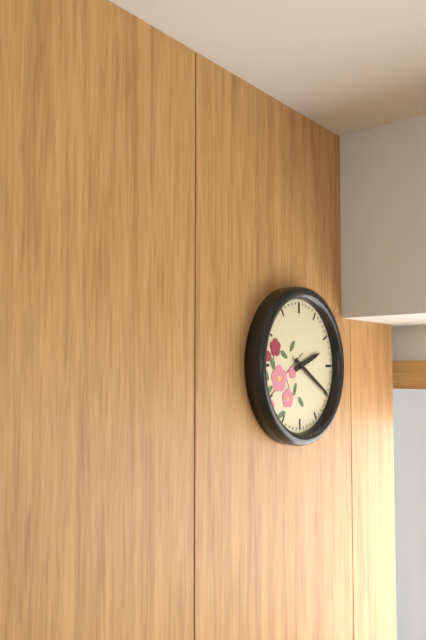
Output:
2.20
